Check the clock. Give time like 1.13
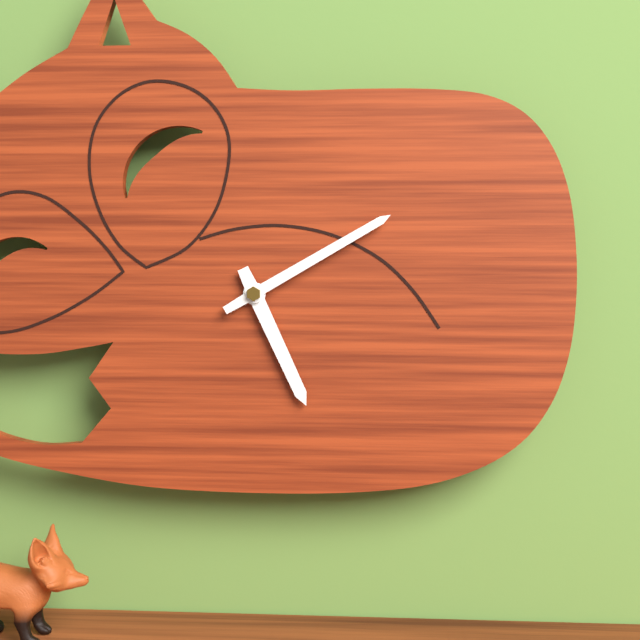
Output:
5.10
